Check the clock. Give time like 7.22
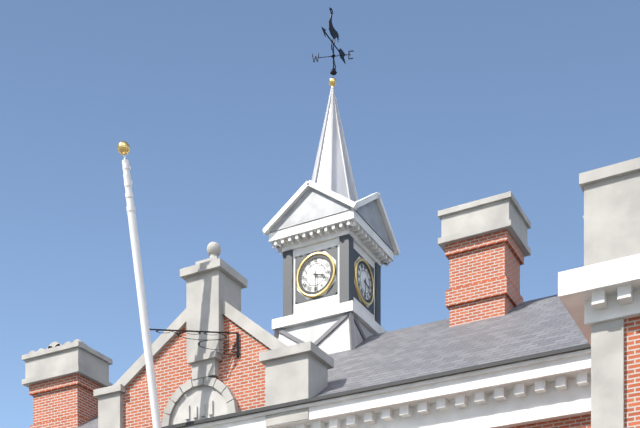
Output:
3.30
